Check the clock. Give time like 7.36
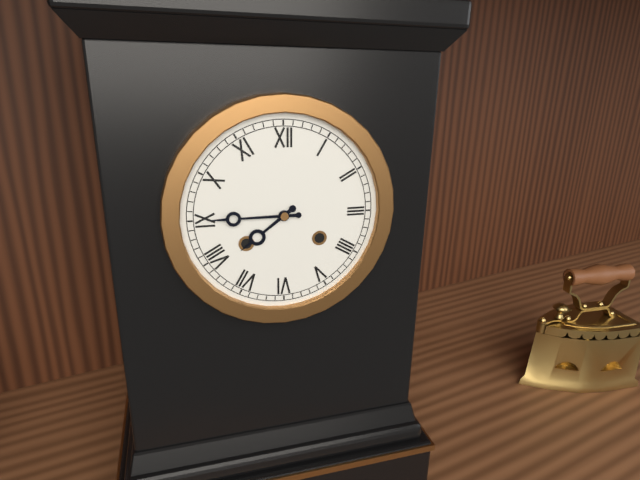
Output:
7.45
